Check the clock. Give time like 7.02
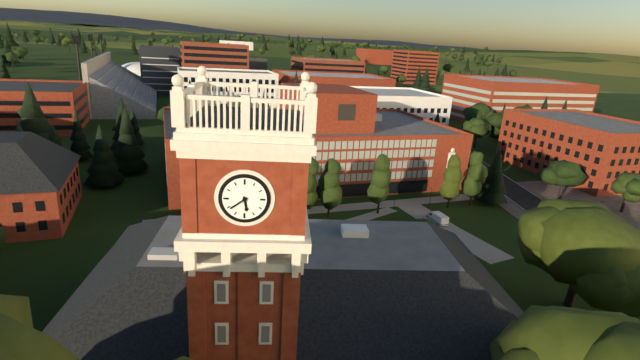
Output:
5.39
